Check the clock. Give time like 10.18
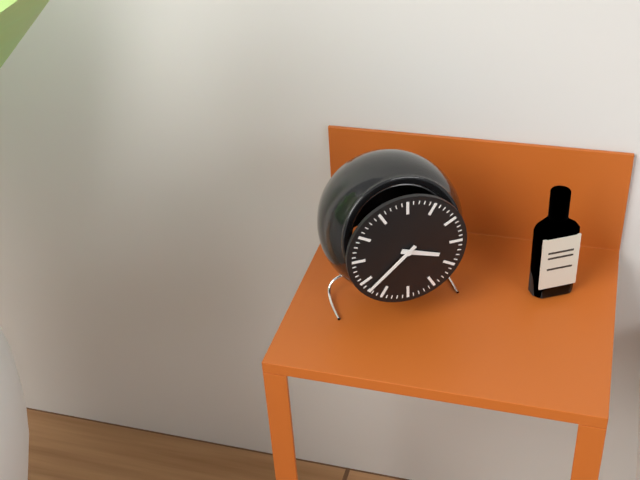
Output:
3.38
